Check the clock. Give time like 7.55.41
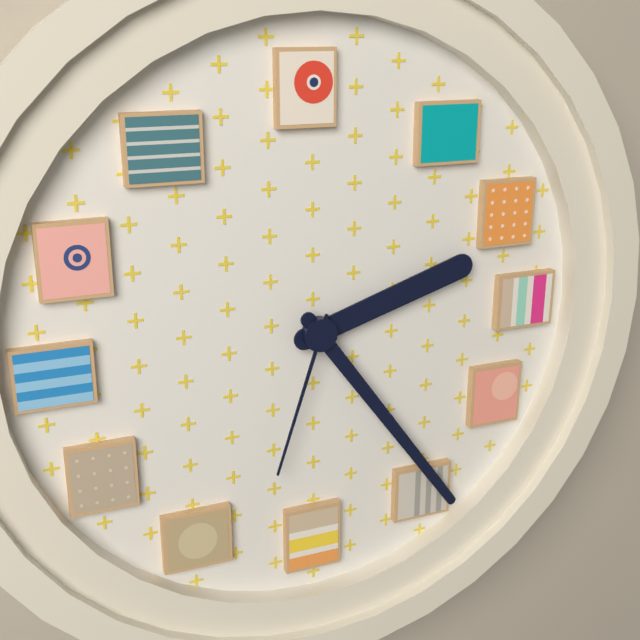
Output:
2.24.33
